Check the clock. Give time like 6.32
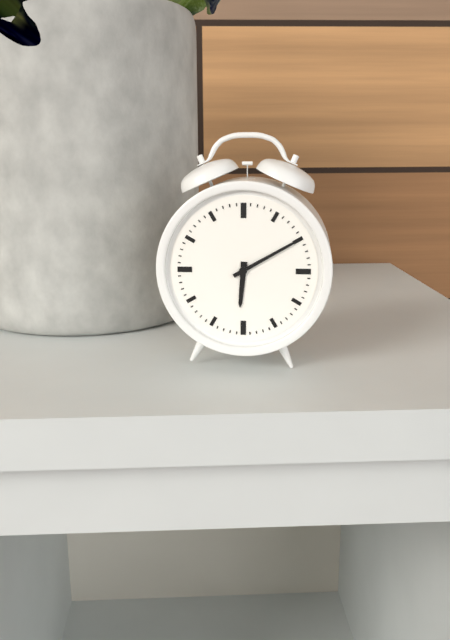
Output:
6.10
